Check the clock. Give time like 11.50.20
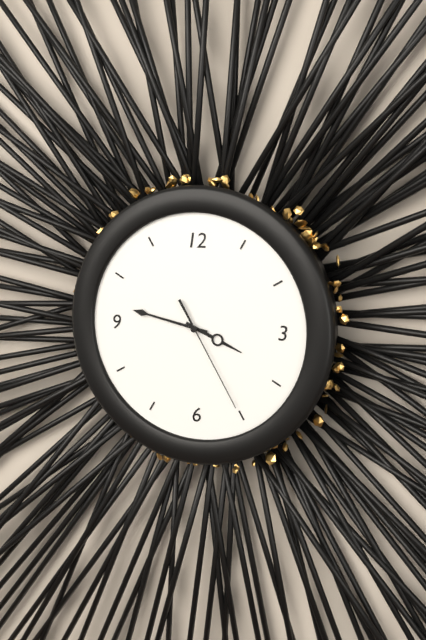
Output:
3.47.25
